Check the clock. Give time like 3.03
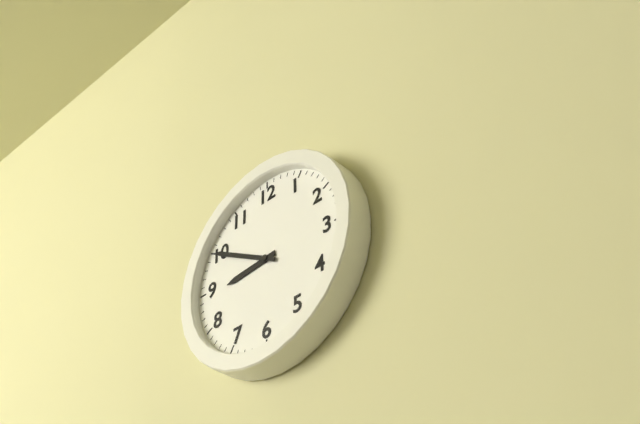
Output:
8.50
